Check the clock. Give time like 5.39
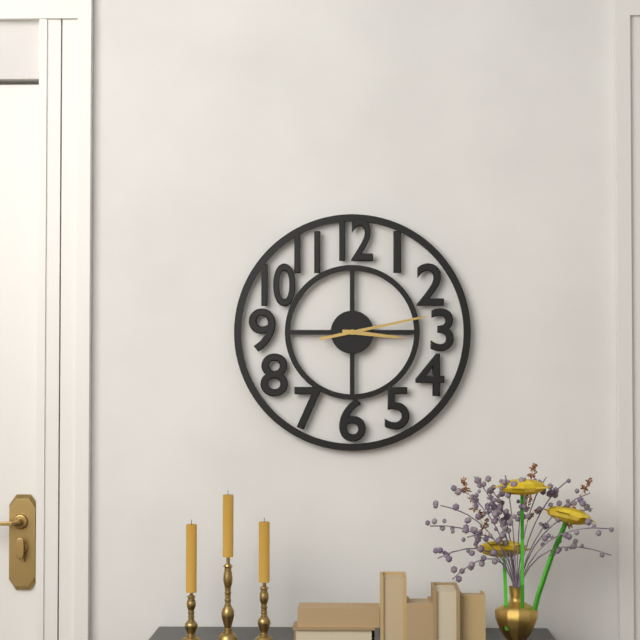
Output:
3.13
